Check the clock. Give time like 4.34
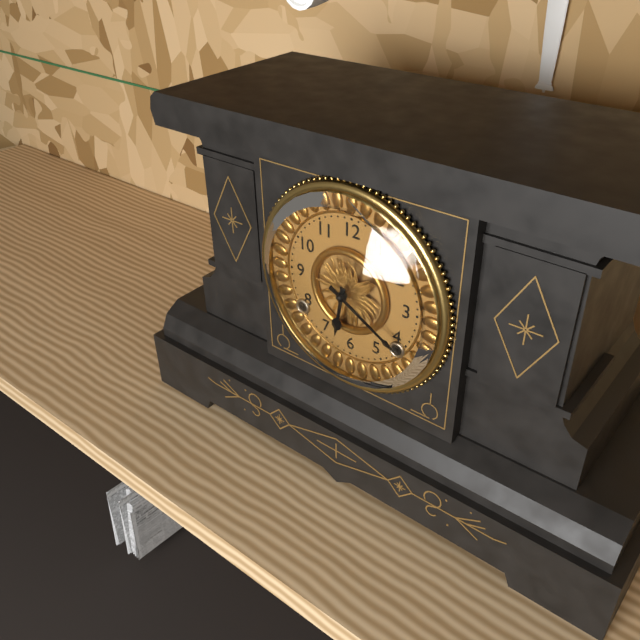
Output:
6.20
